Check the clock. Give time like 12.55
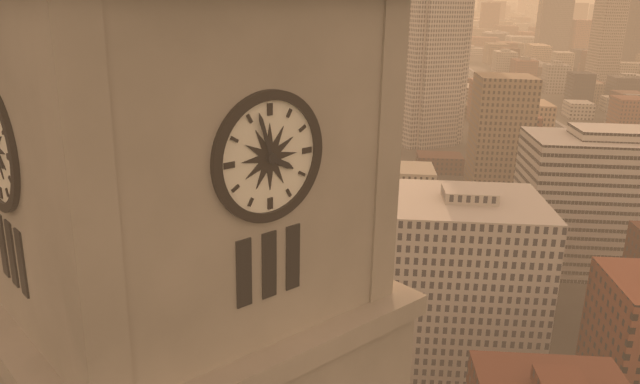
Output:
3.57
